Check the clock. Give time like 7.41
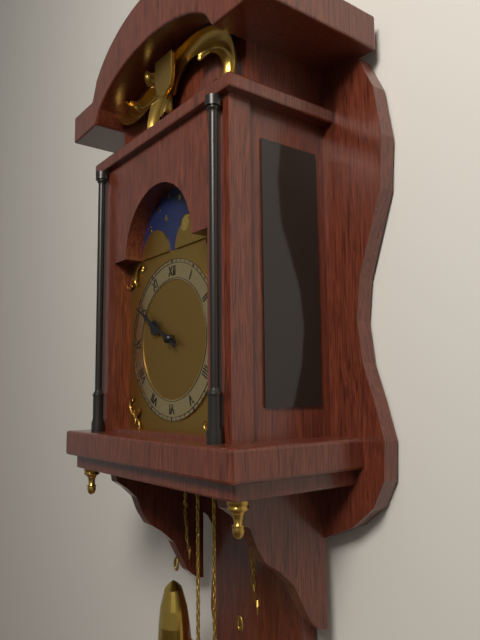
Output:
9.50
